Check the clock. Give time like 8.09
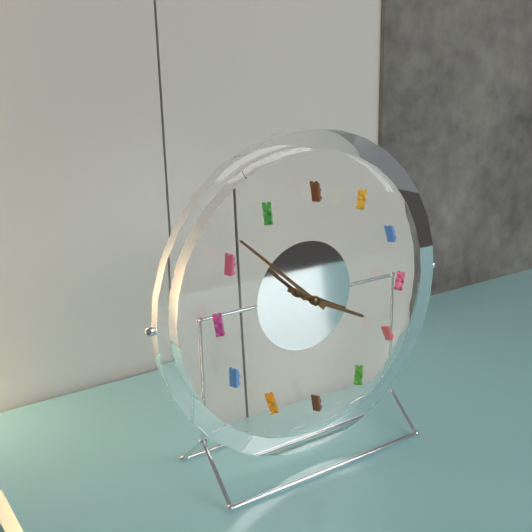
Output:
3.52
